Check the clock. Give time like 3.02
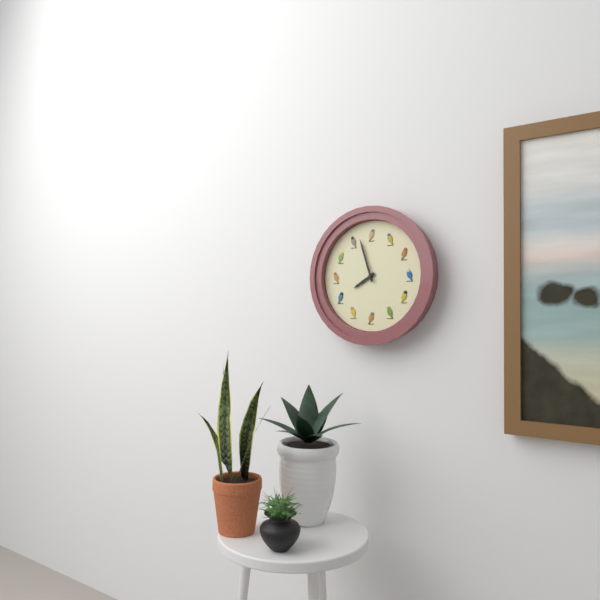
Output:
7.57
